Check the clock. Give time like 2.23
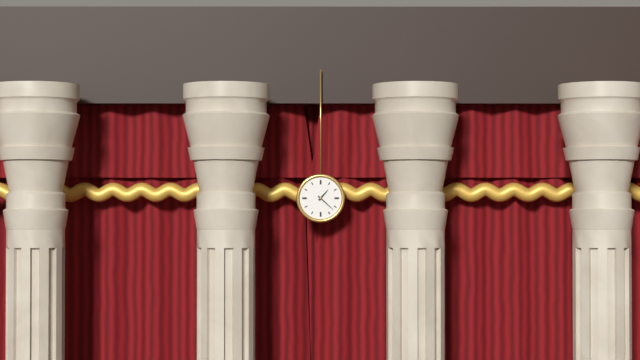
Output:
1.22
